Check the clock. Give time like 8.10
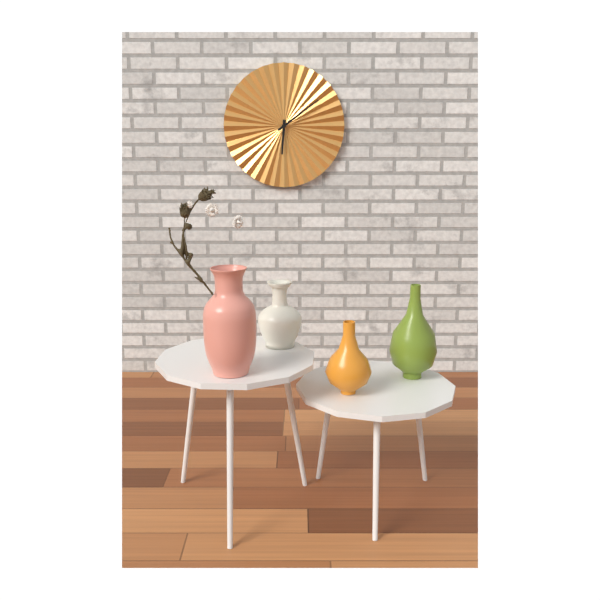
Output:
6.09
